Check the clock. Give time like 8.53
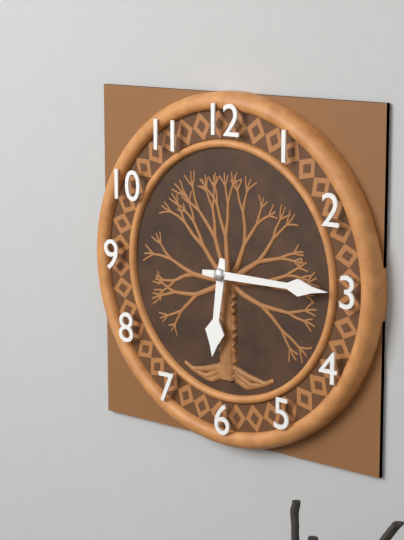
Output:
6.15
